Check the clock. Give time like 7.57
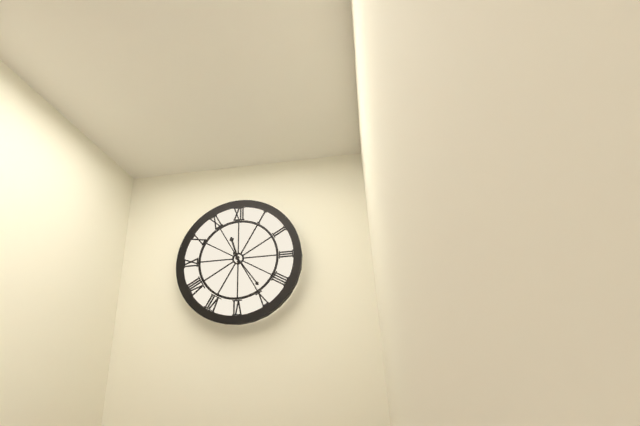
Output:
11.24
